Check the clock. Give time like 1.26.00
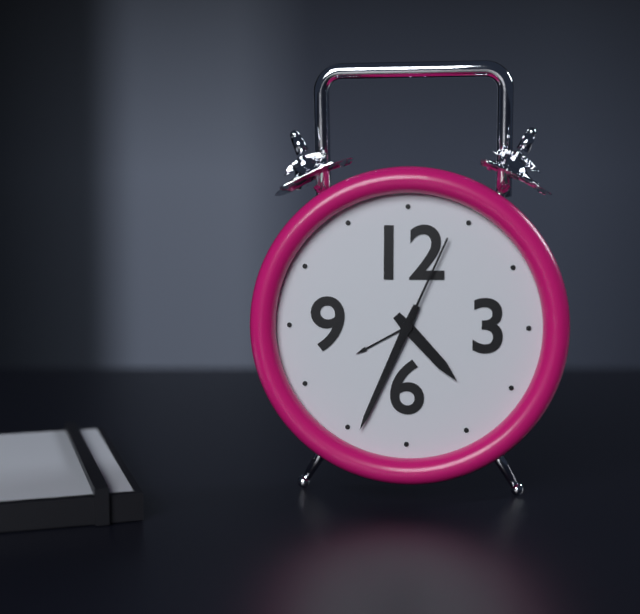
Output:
4.34.04
